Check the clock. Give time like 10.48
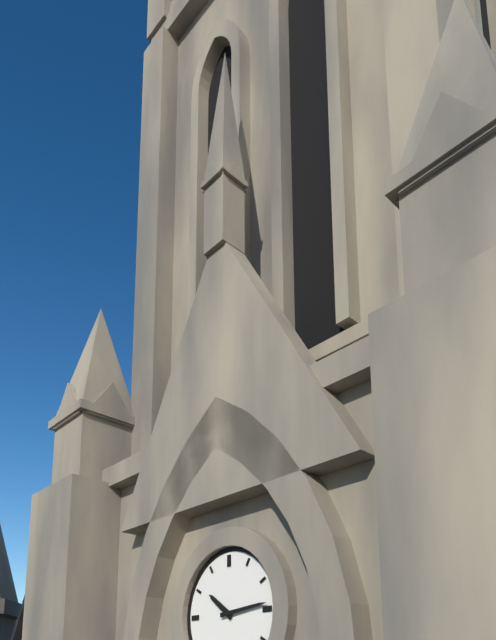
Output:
10.14
